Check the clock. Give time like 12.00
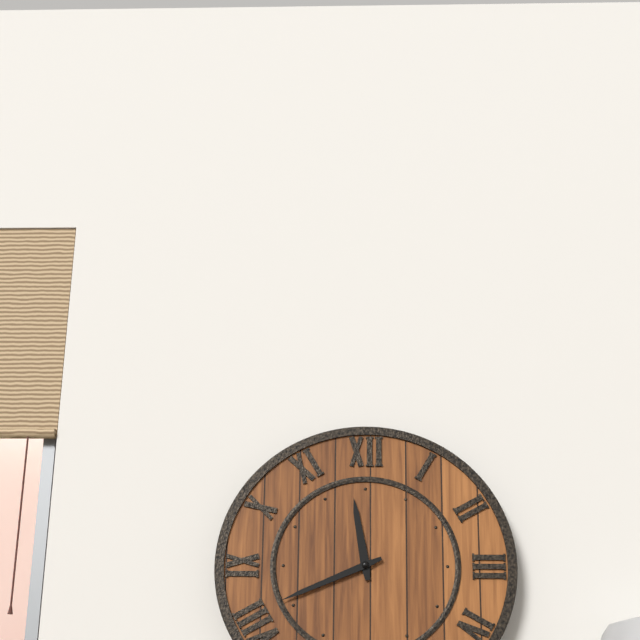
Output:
11.41
